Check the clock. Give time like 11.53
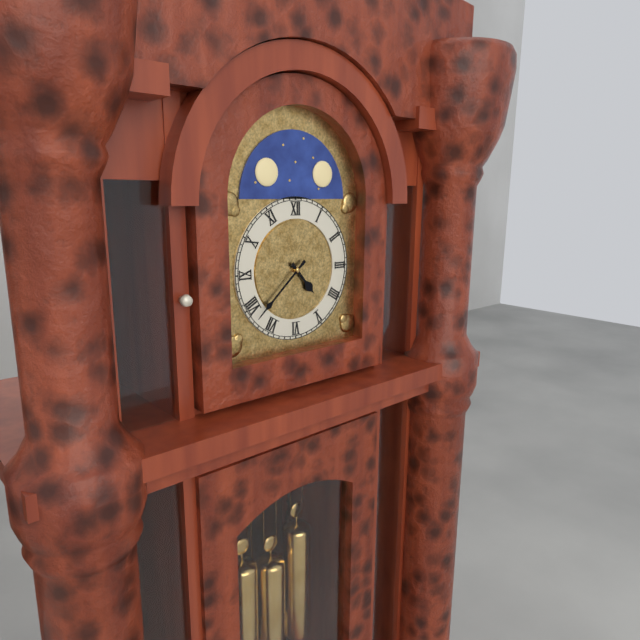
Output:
4.38
